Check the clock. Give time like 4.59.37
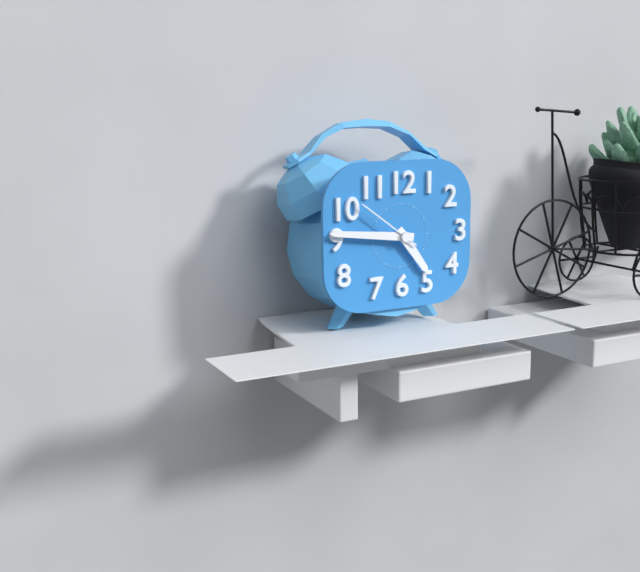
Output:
4.46.51
